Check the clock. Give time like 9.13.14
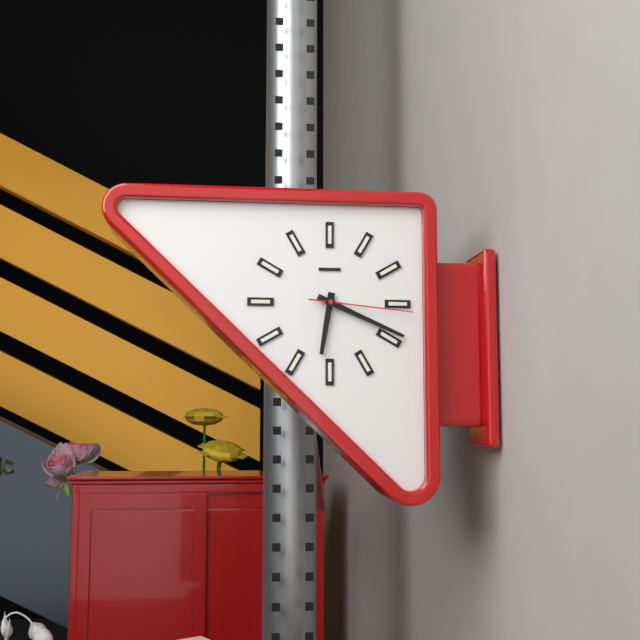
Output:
6.19.16
